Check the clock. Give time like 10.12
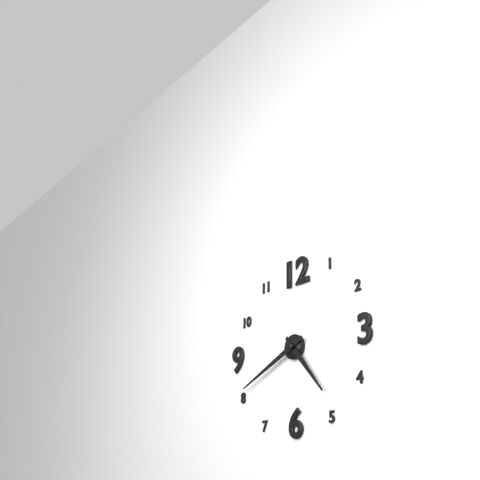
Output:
4.41
